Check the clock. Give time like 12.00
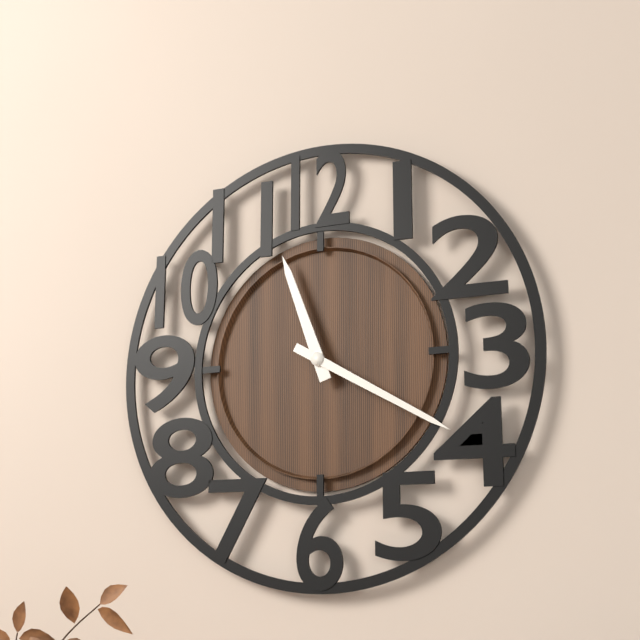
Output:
11.20
